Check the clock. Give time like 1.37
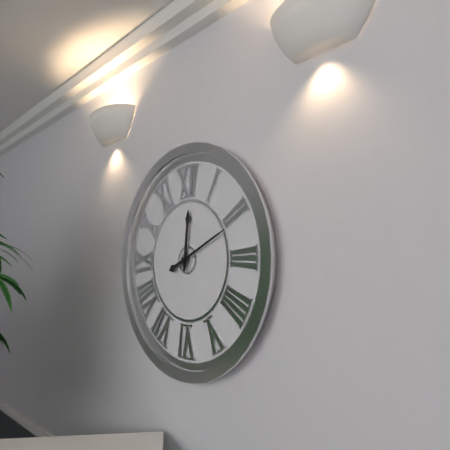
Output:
12.11
